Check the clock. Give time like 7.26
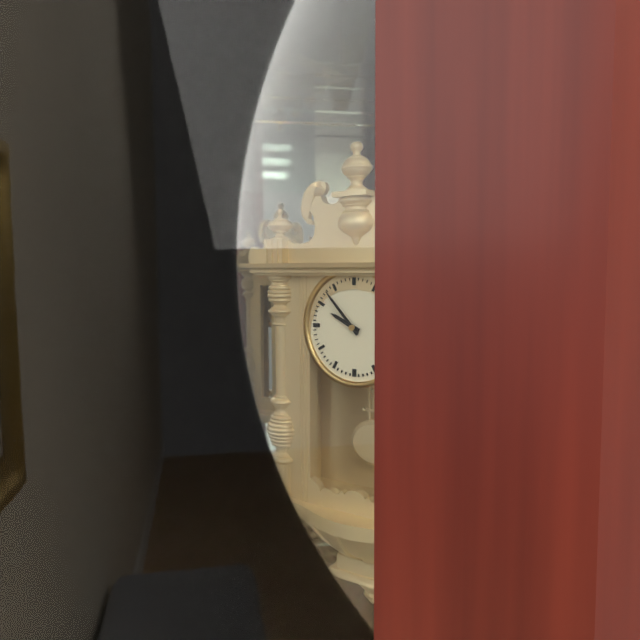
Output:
9.53
